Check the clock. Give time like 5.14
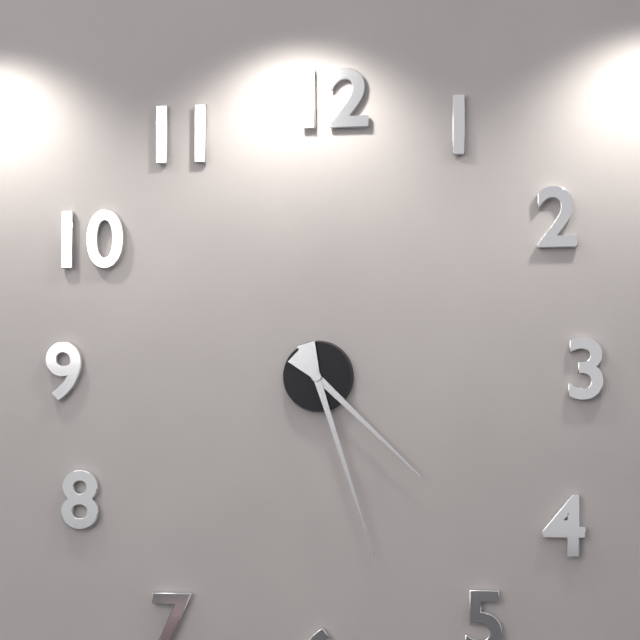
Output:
4.27
